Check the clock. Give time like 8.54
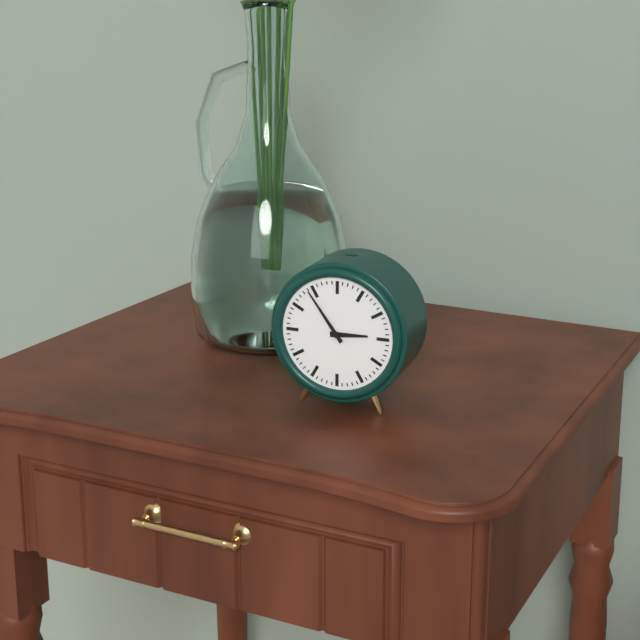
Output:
2.54
